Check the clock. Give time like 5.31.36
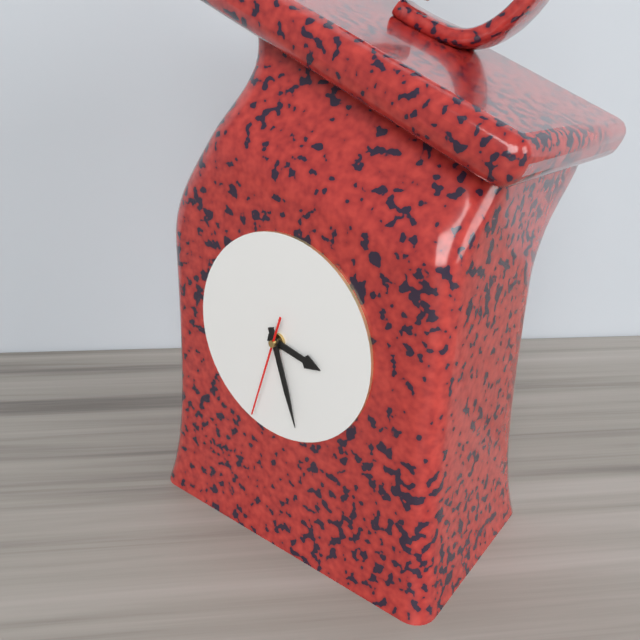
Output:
3.27.33
